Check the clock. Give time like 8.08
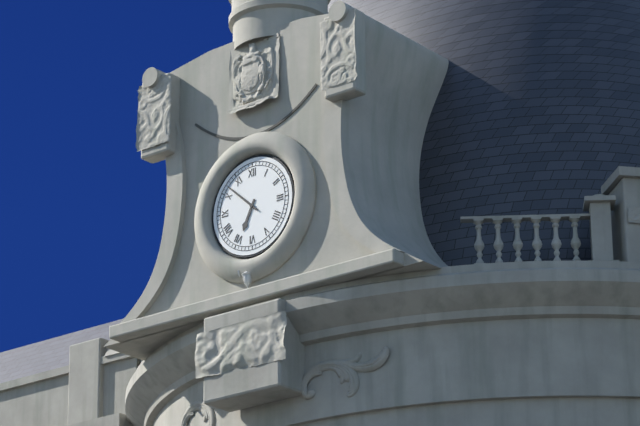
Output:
6.52
